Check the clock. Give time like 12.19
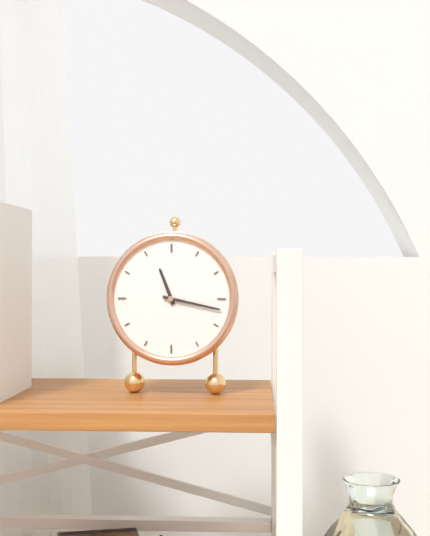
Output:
11.17
